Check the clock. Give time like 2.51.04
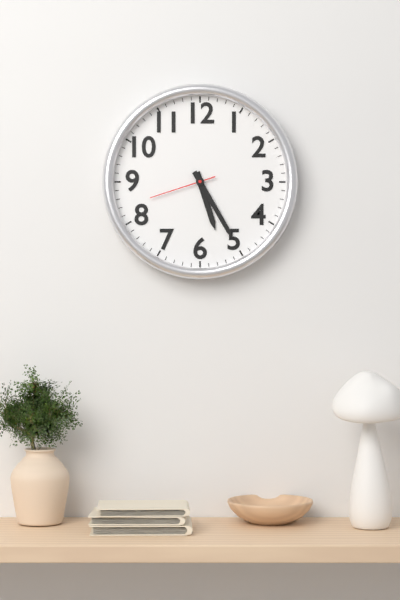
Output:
5.25.42
